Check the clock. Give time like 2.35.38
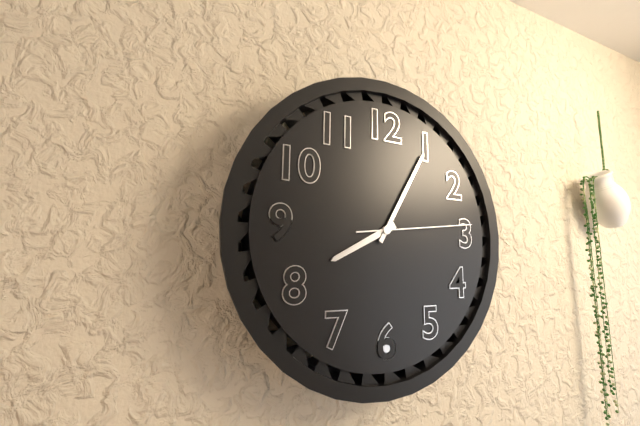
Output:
8.05.14
